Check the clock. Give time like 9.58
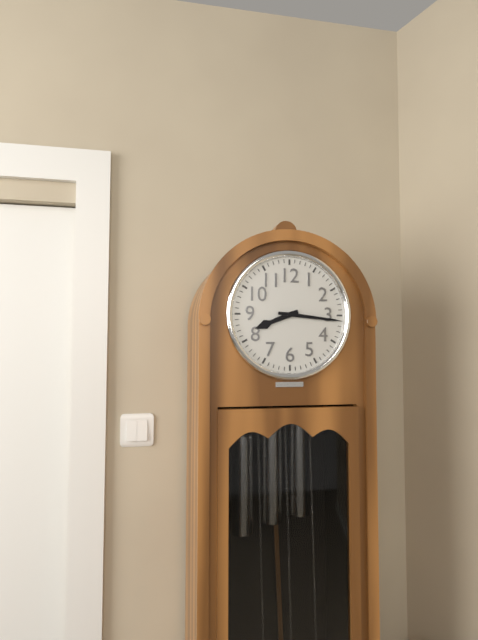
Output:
8.16
